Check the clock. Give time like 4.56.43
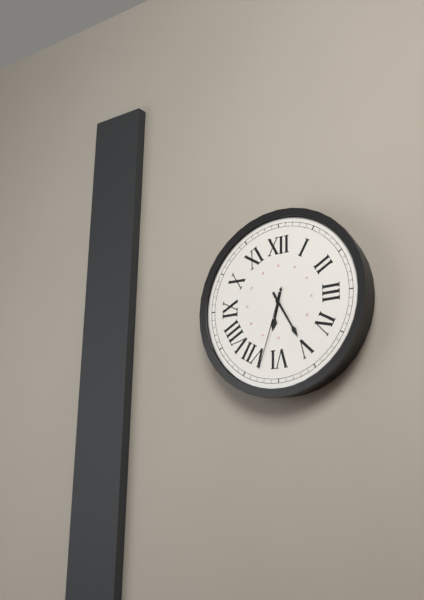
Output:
6.25.33
